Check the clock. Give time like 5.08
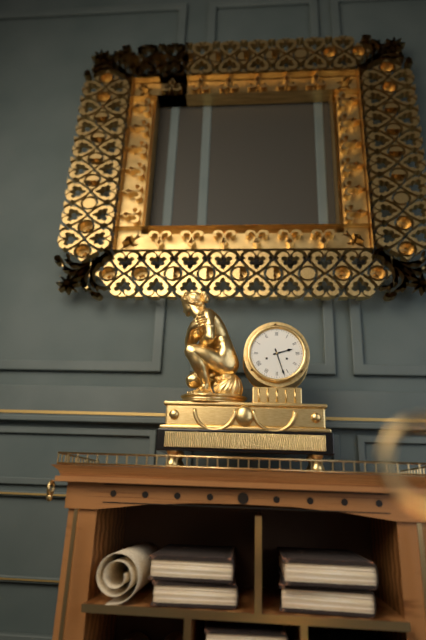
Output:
2.27
